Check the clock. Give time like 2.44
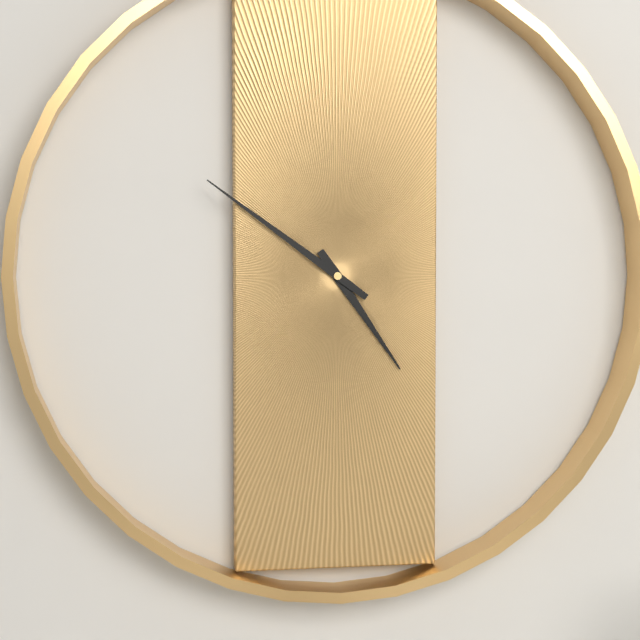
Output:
4.51
